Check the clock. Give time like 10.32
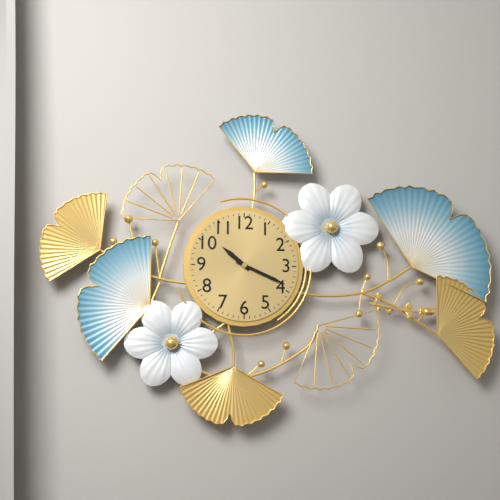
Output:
10.19
